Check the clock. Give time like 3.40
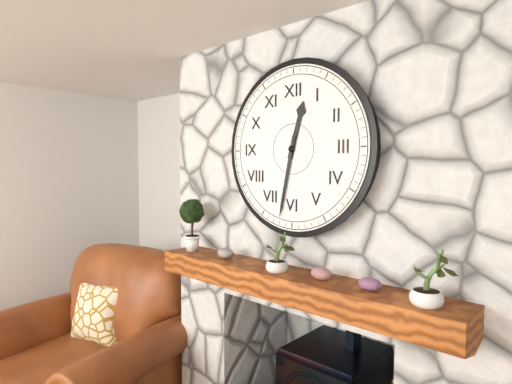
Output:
12.32
